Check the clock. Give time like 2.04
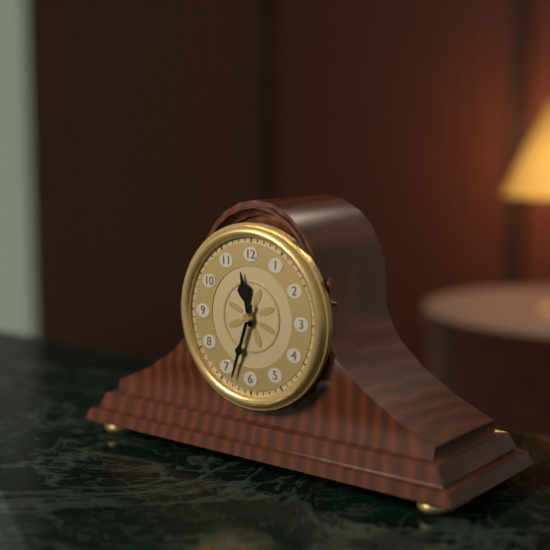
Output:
11.33
